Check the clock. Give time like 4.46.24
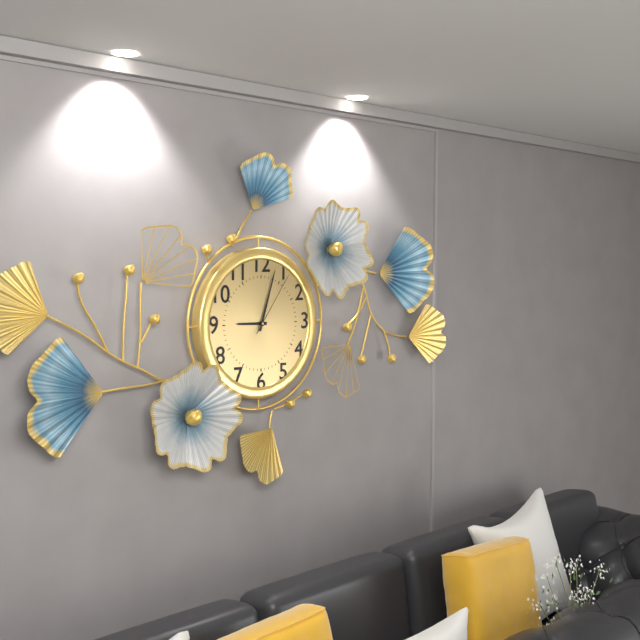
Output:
9.03.06
